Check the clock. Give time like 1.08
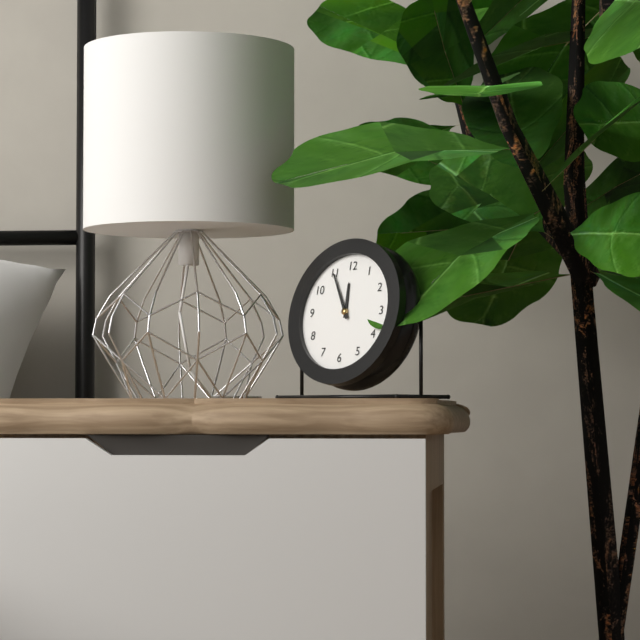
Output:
11.55
